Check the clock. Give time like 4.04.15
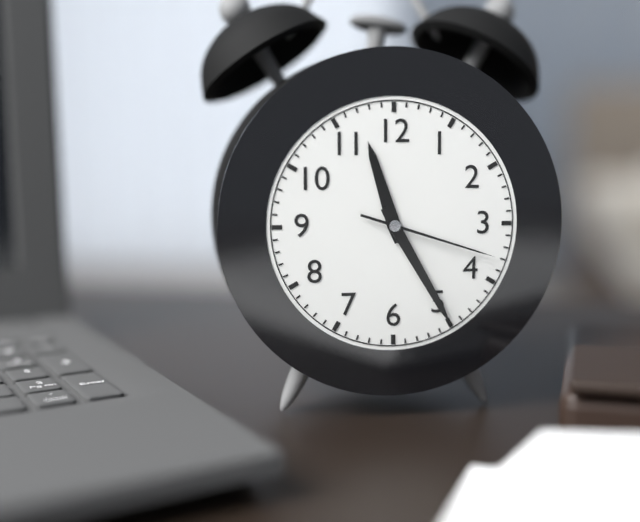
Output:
11.25.18
